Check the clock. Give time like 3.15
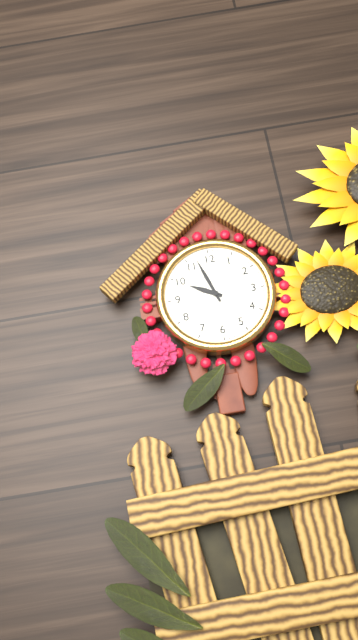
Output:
9.57
